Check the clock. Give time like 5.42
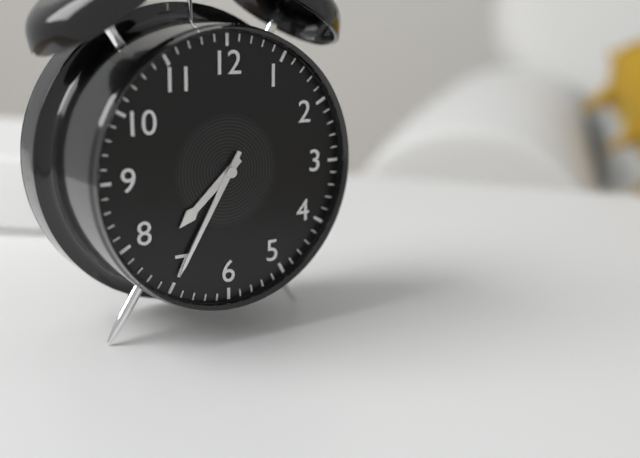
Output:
7.35
